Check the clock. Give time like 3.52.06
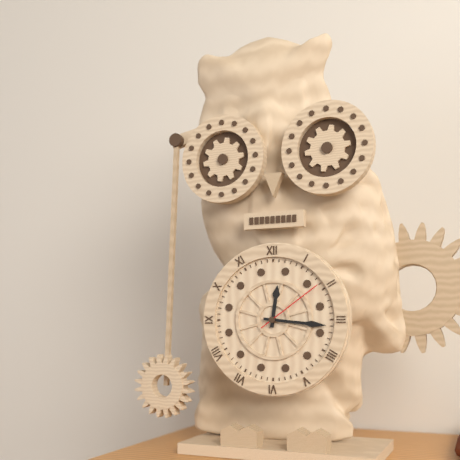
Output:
12.16.09
